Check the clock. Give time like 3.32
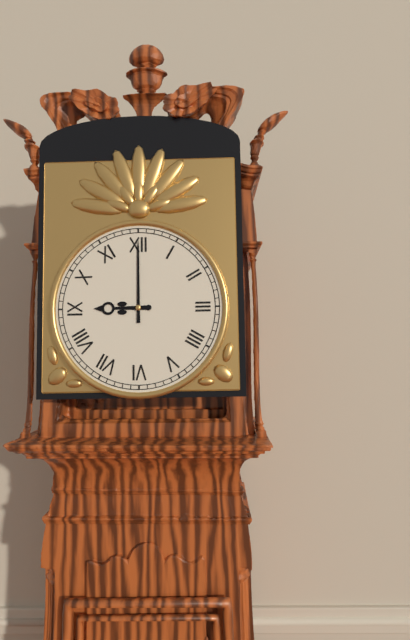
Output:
9.00
